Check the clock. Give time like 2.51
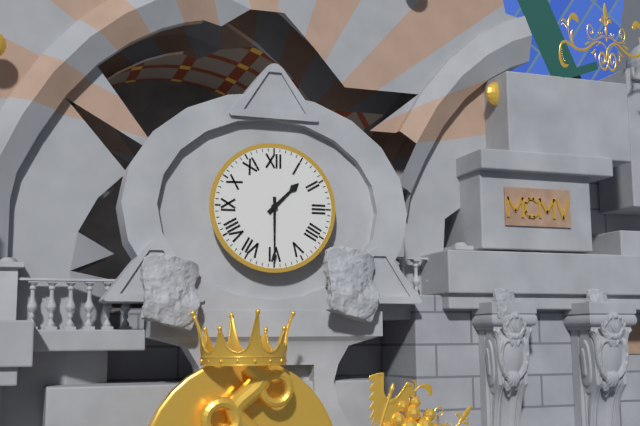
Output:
1.30
